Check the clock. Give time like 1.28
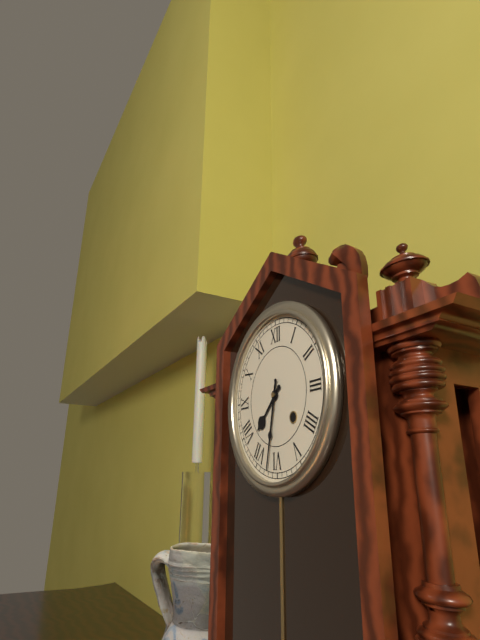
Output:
7.32
